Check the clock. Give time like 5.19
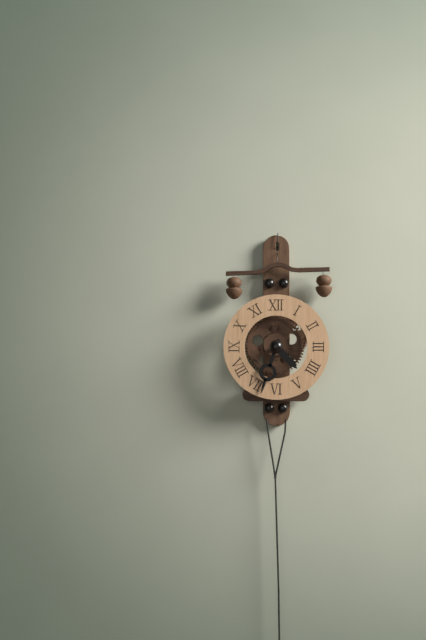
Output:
4.33
